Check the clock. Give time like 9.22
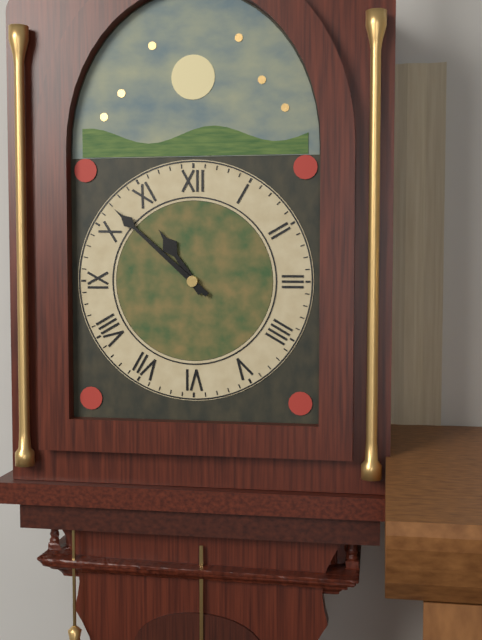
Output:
10.52
